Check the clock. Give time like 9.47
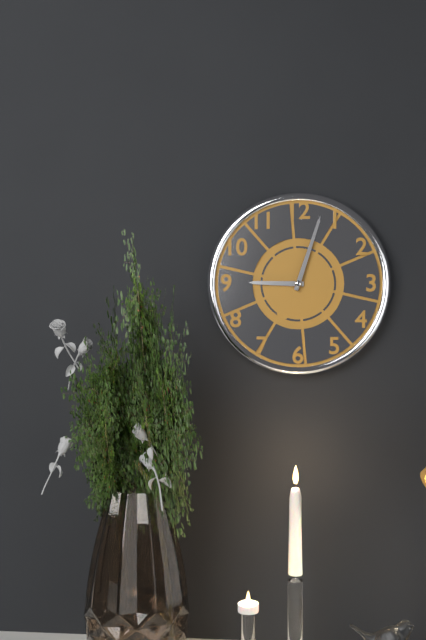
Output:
9.03
